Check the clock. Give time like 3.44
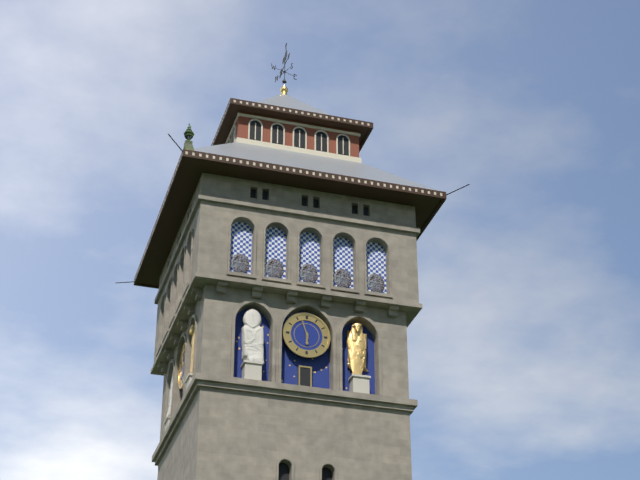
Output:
5.57
